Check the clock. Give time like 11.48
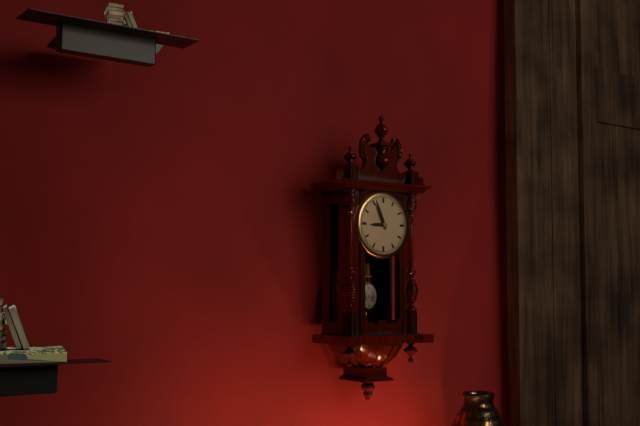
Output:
8.56
